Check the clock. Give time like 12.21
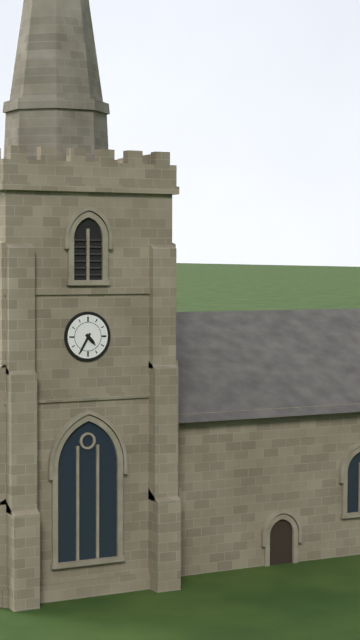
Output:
4.35
